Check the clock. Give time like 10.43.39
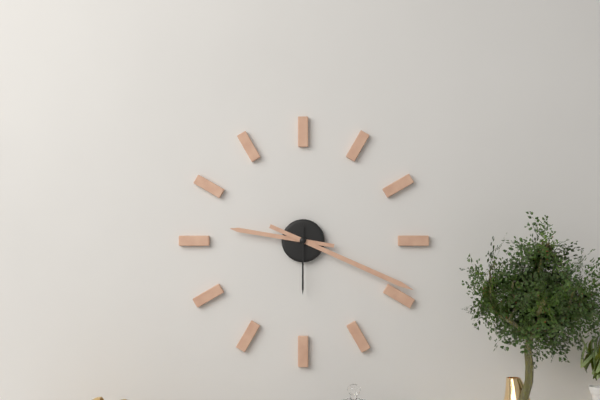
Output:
9.19.30
